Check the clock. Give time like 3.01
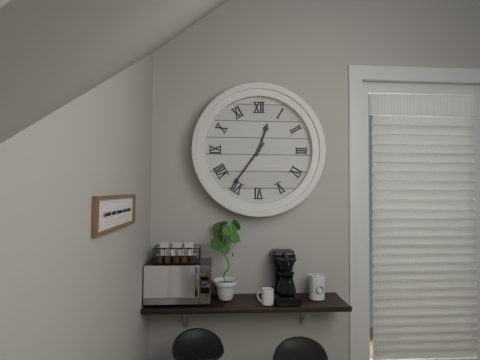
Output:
12.36
